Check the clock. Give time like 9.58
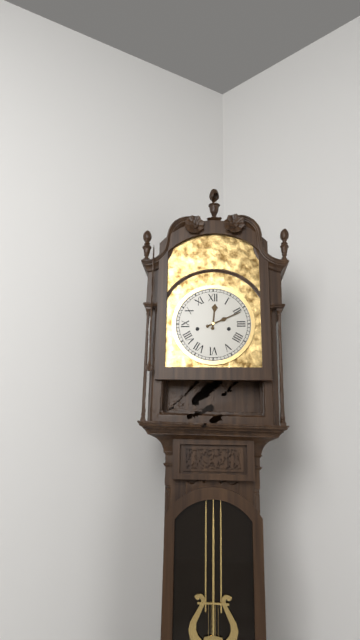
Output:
12.11
